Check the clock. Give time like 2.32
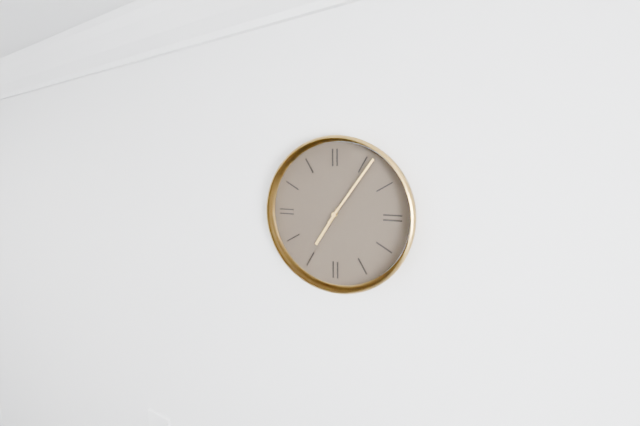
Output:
7.06
